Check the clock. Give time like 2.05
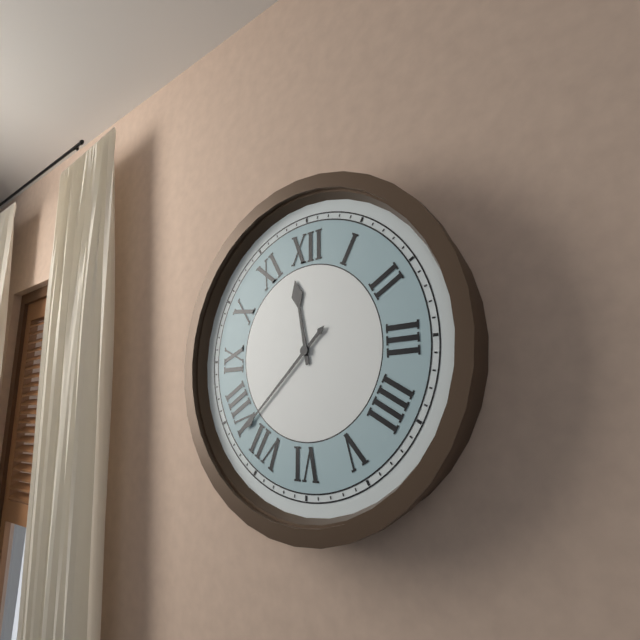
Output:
11.38
